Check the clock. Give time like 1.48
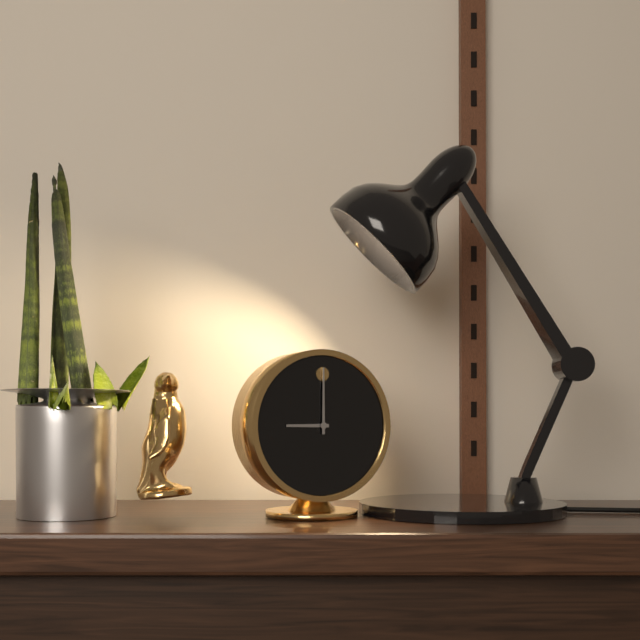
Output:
9.00
